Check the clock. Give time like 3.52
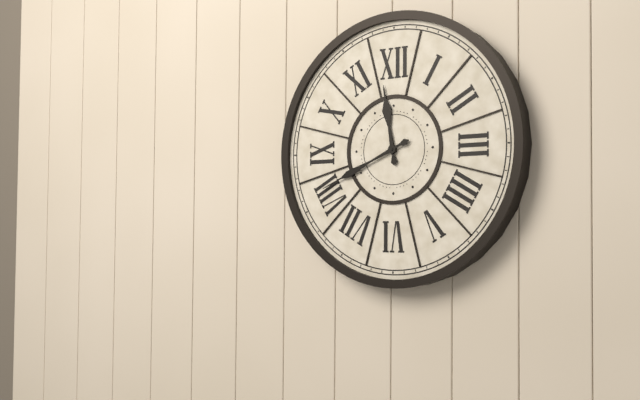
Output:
11.41
